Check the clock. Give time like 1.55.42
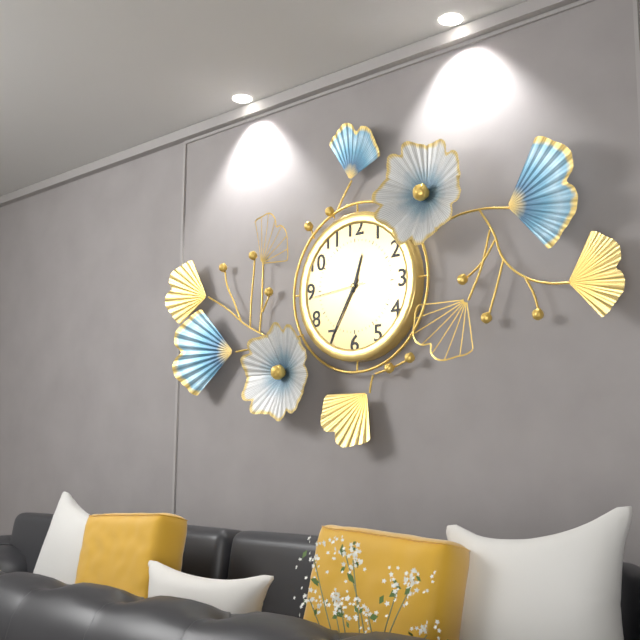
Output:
12.35.44
